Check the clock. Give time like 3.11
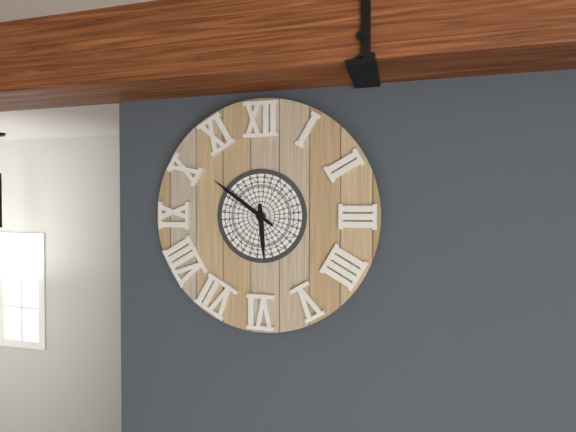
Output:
5.51
